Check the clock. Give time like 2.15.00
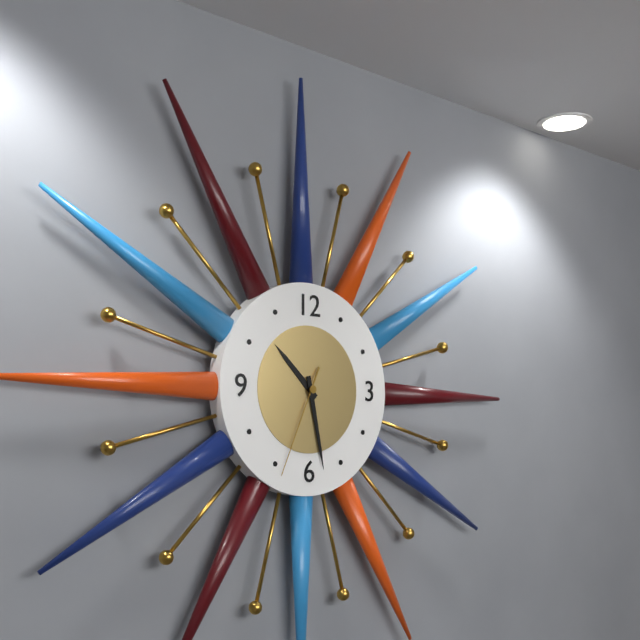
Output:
10.28.34
